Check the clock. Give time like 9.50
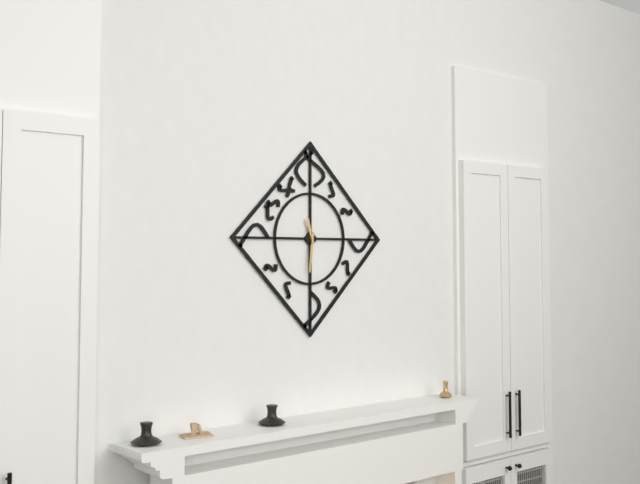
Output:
11.31
